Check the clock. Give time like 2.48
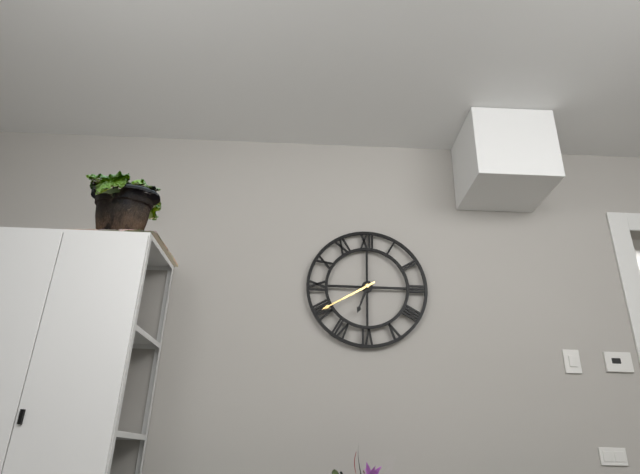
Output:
6.40
